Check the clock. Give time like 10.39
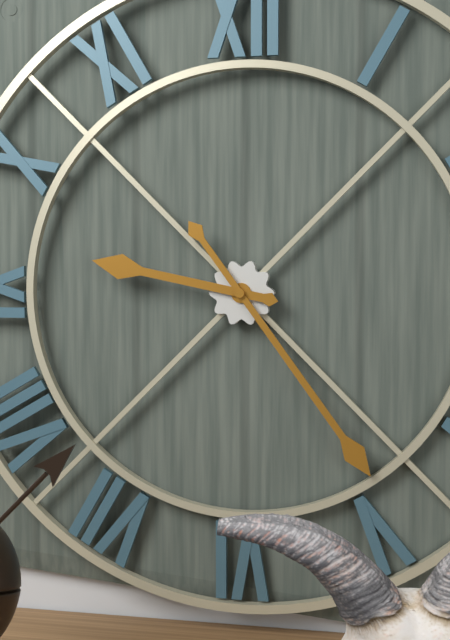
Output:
9.24
